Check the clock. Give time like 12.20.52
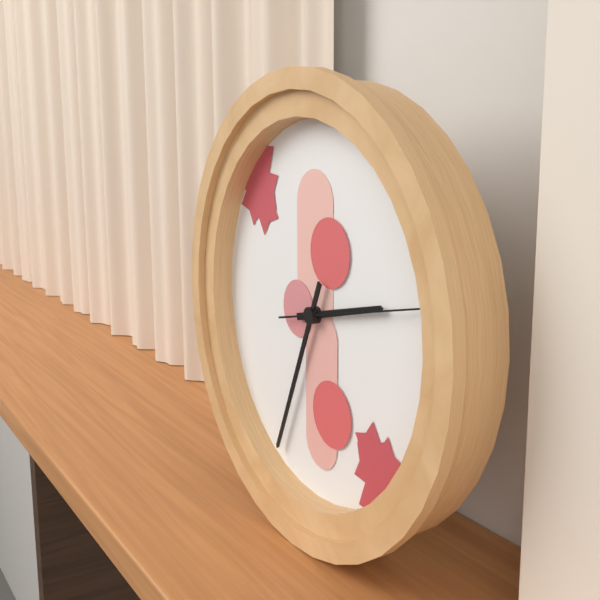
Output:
2.34.13
